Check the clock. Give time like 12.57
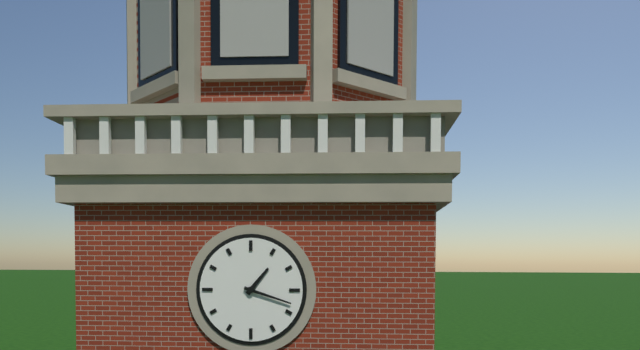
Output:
1.18
